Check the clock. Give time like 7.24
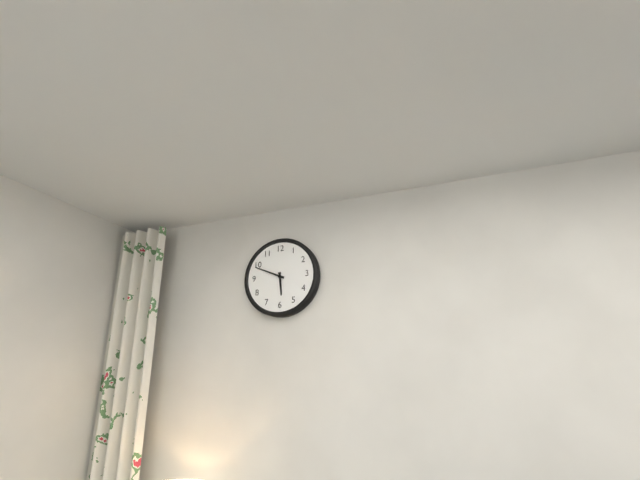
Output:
5.49
